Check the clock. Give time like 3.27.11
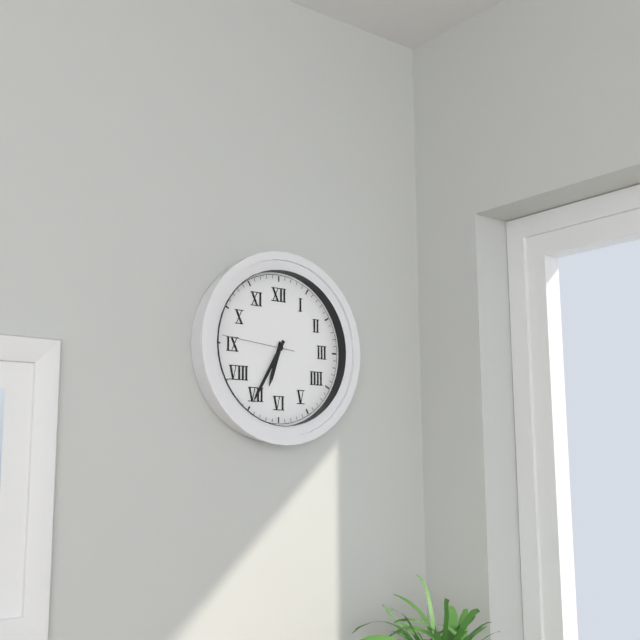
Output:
6.35.46
